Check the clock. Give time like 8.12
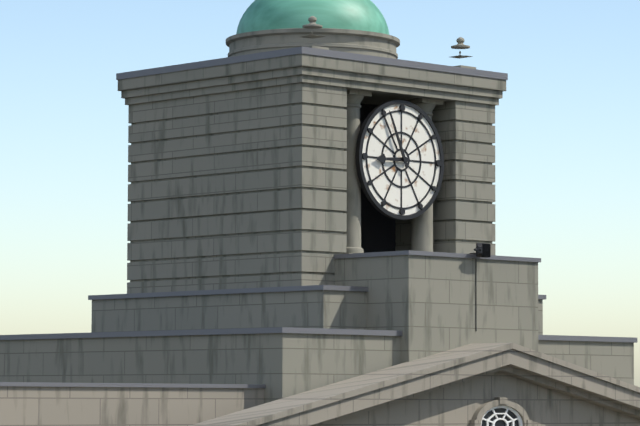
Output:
8.56
